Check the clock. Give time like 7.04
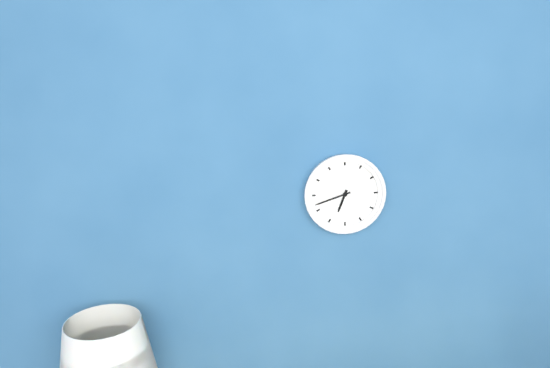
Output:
6.42
